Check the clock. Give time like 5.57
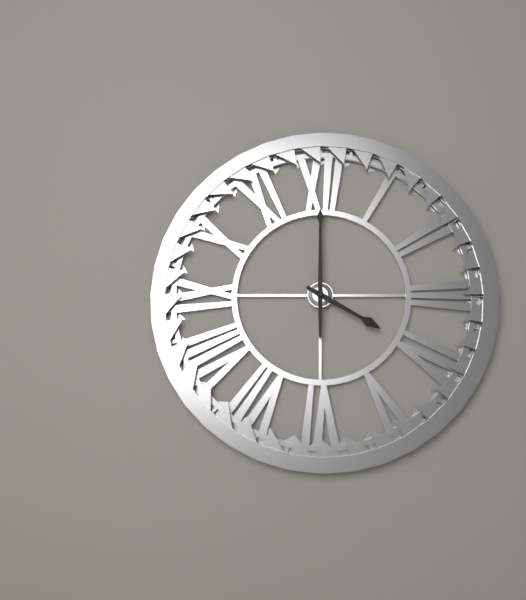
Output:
4.00
